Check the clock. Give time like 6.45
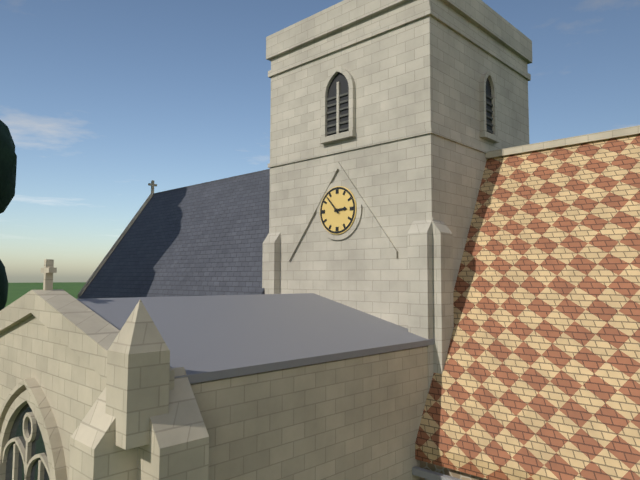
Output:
2.53
